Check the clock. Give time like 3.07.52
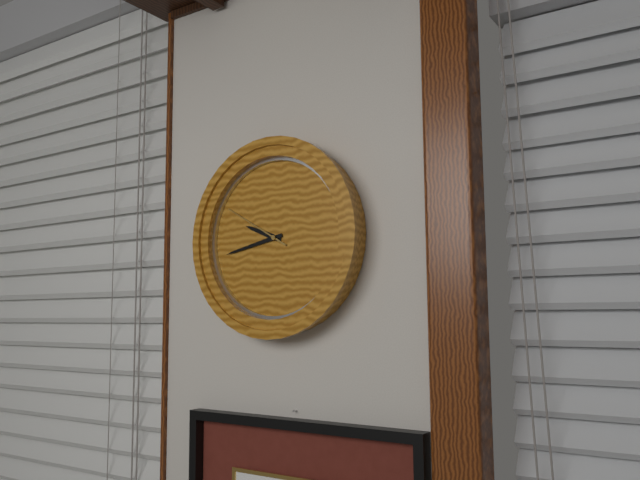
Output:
9.43.50
